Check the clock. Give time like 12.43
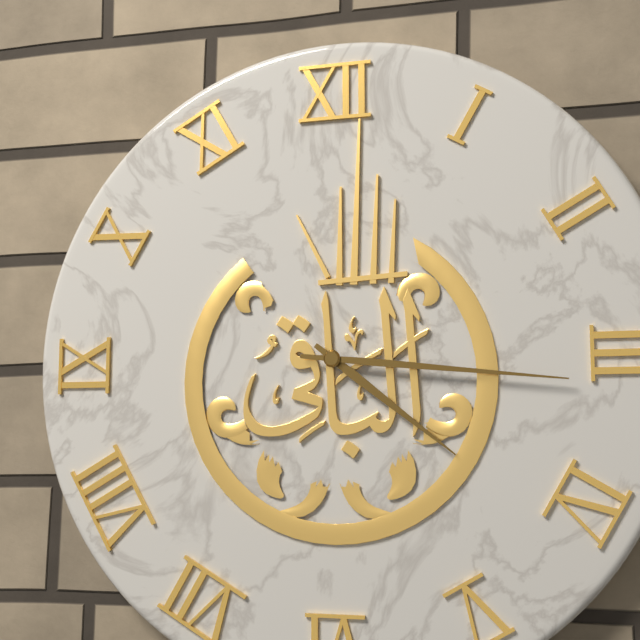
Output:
4.16
